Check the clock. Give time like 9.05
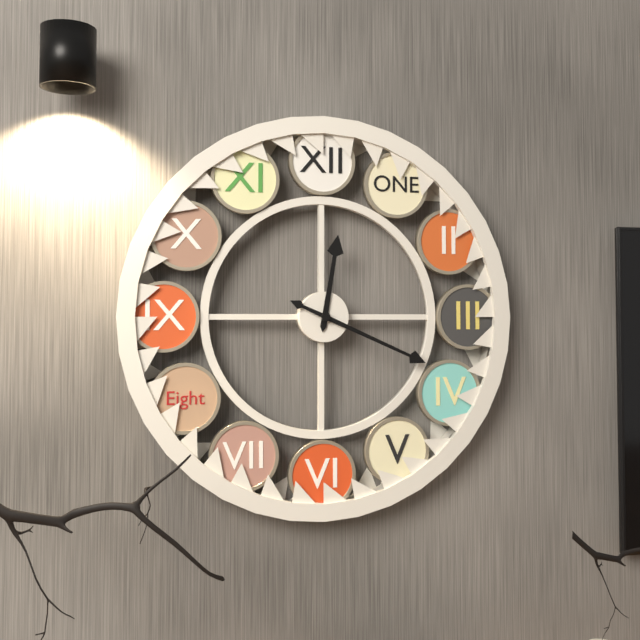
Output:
12.19
